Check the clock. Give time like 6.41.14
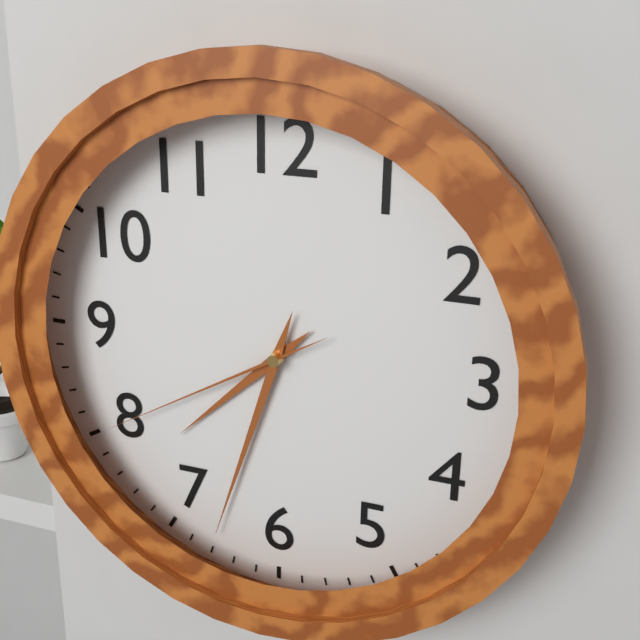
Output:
7.33.40
